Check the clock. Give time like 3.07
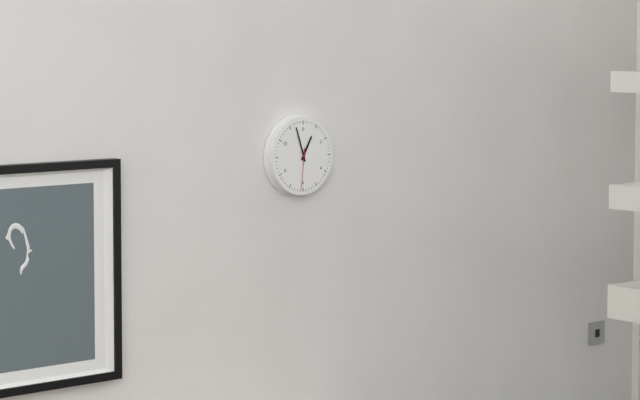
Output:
12.57
